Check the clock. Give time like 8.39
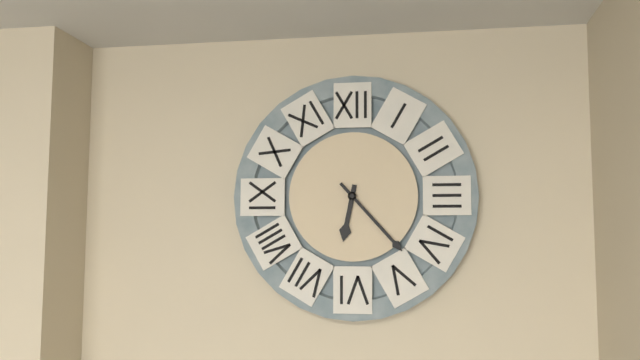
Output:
6.23
